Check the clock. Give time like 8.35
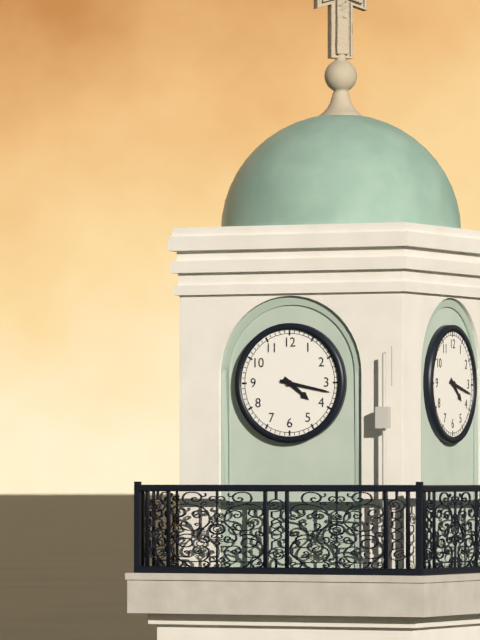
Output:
4.17
